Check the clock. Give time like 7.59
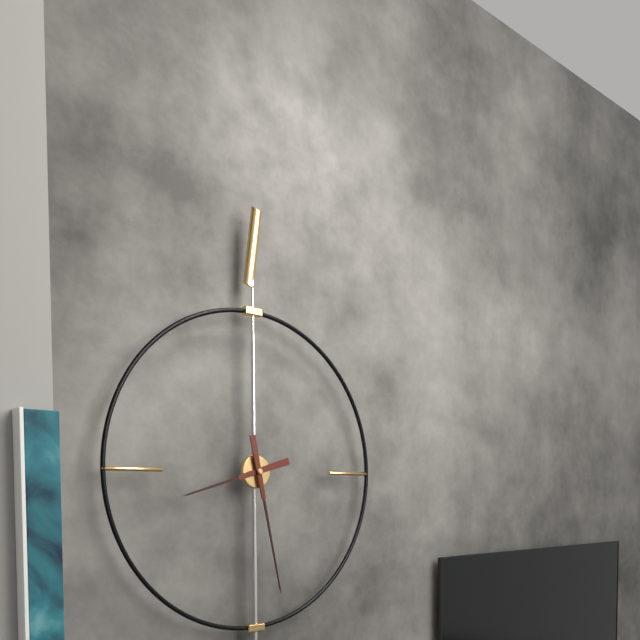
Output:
8.28
